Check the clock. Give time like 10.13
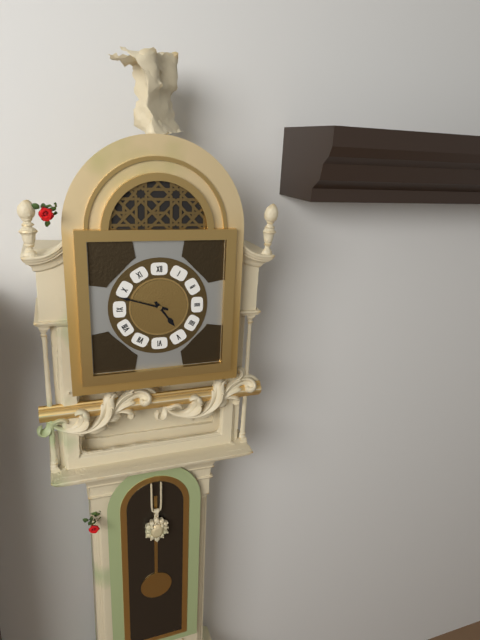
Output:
4.48
